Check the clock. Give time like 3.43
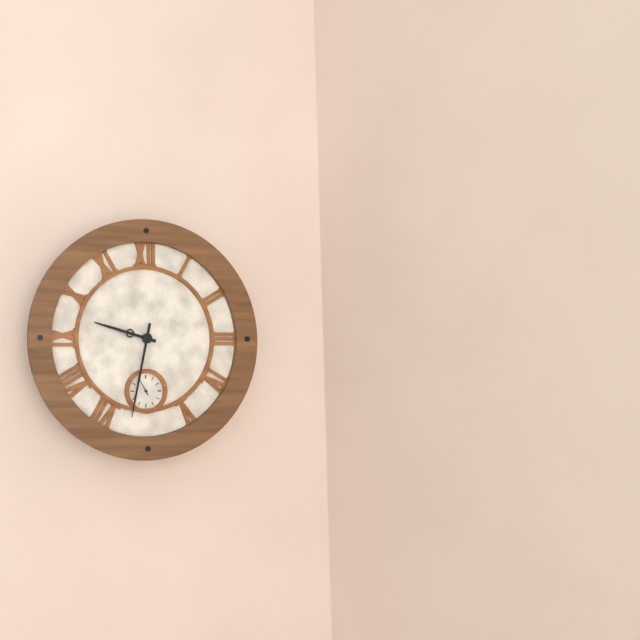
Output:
9.32
